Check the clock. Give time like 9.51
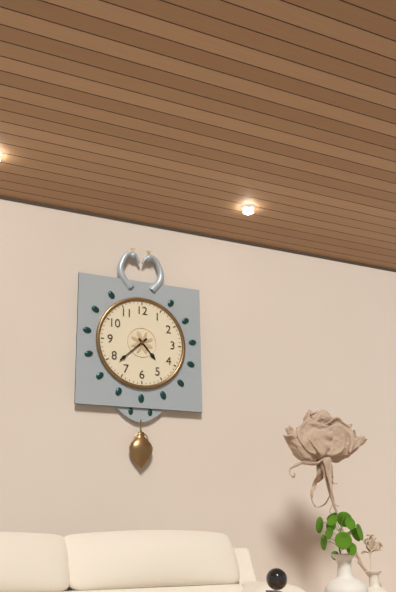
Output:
4.38
